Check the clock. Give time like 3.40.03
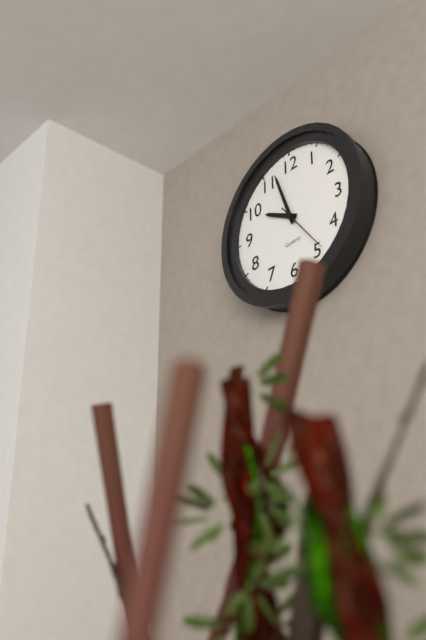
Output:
9.57.24
